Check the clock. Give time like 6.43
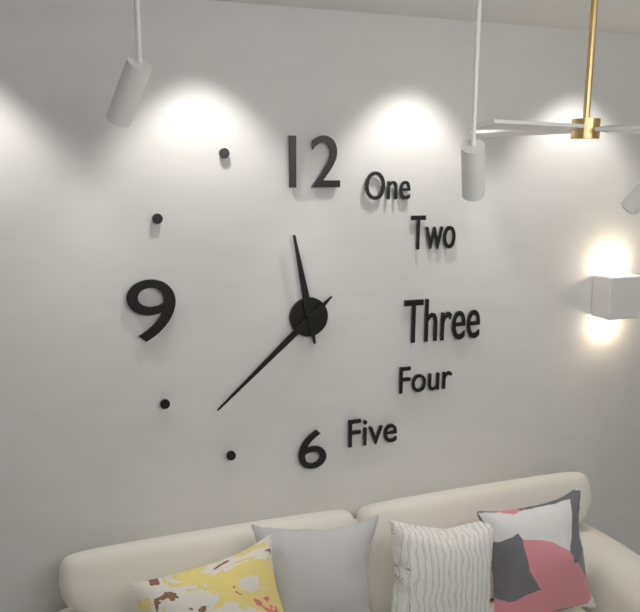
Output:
11.38
